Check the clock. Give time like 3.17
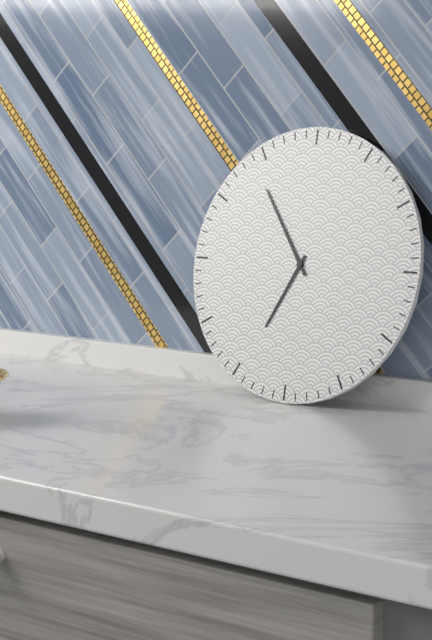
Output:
6.54
